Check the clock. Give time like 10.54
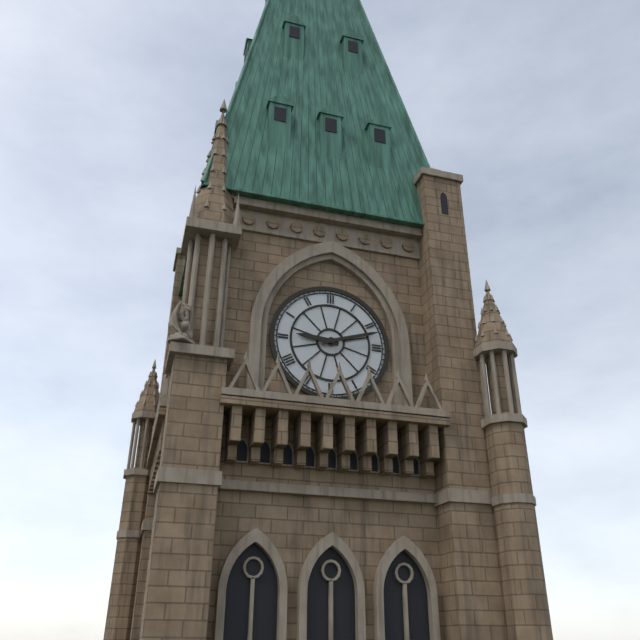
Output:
9.12
